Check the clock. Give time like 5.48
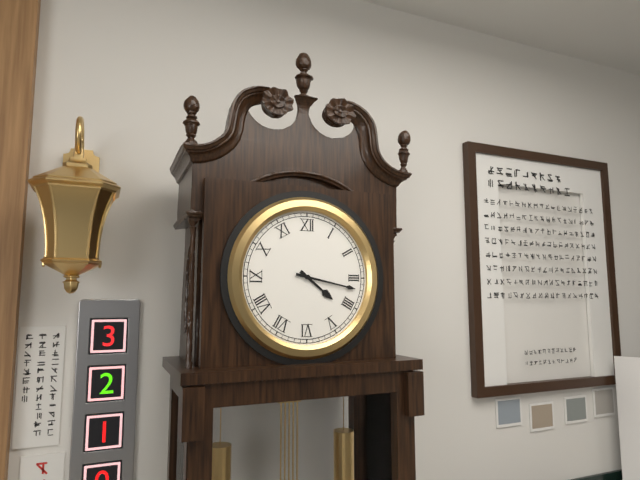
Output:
4.17
